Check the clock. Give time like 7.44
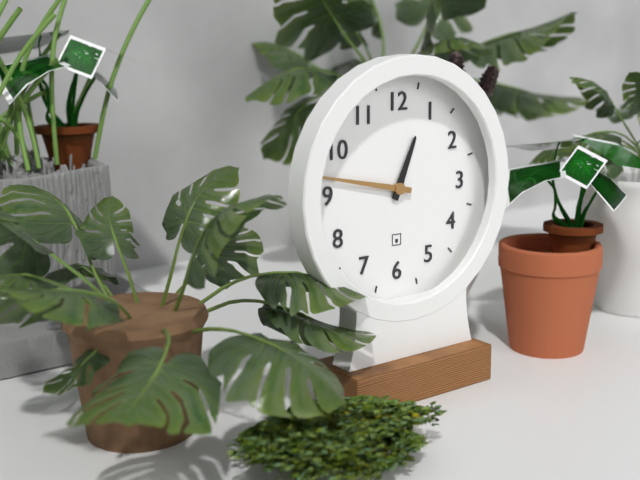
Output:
12.47
